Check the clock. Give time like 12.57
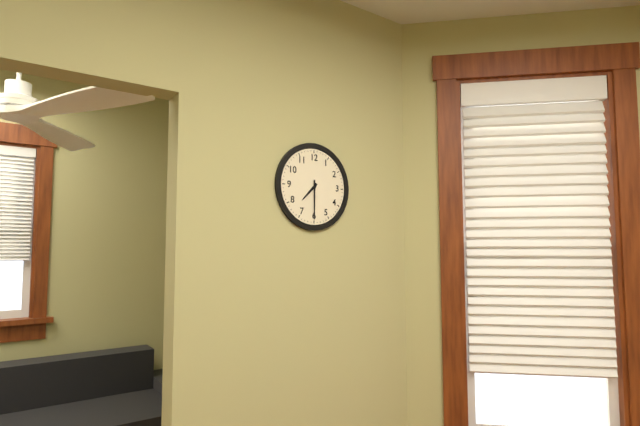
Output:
7.30
